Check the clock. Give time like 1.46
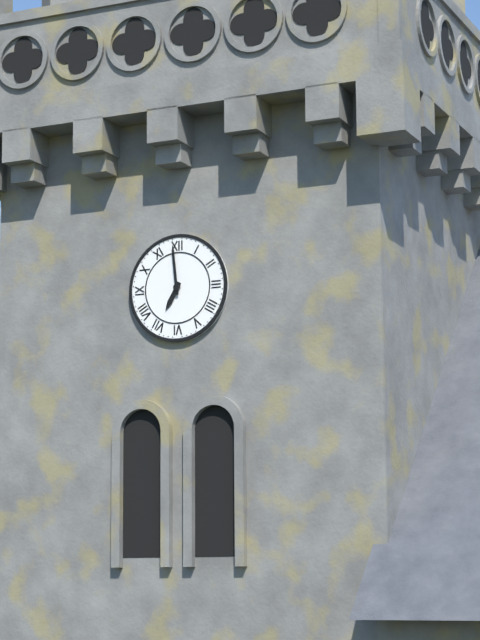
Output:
6.59
